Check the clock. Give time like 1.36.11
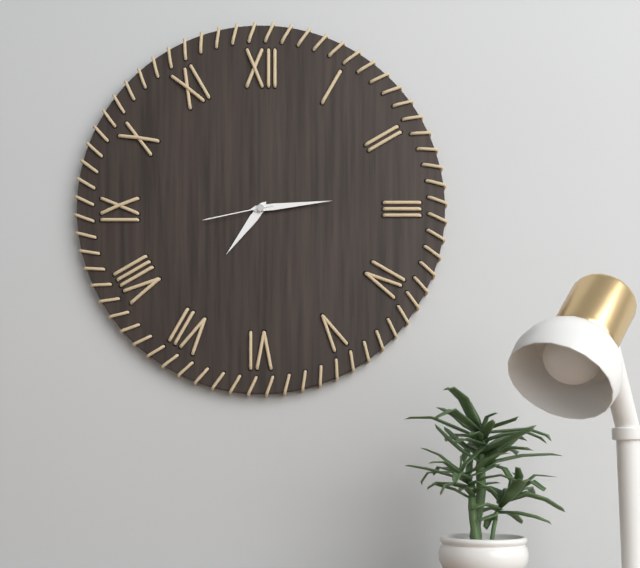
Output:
7.14.43
